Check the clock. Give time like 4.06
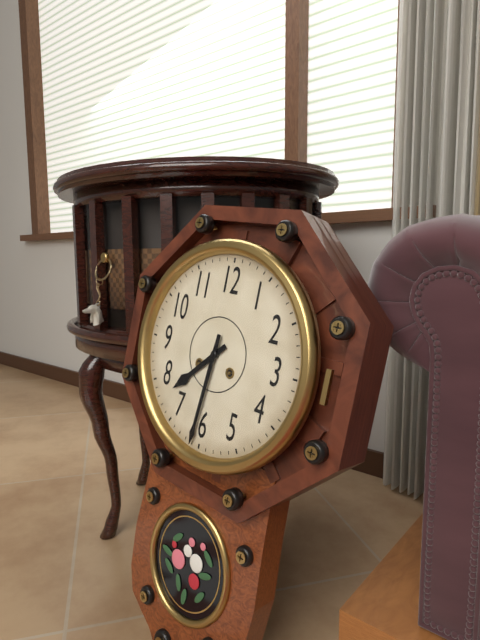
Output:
7.31
